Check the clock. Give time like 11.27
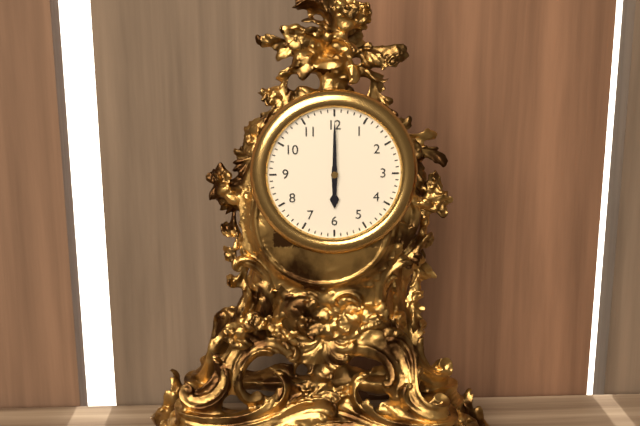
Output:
6.00
